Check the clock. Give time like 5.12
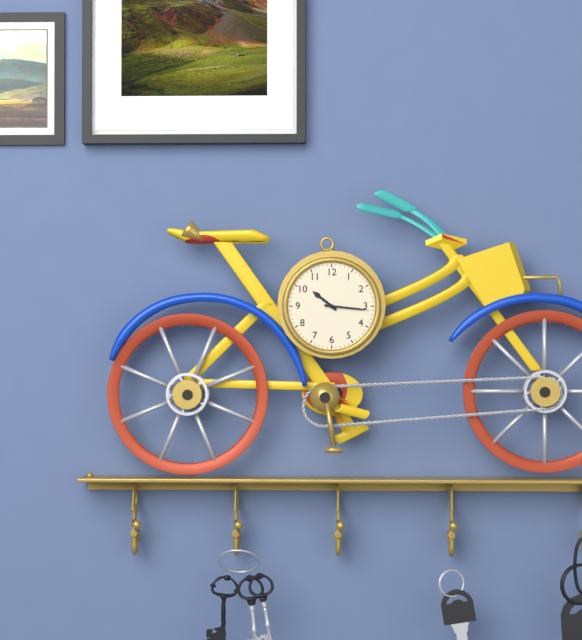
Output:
10.16
